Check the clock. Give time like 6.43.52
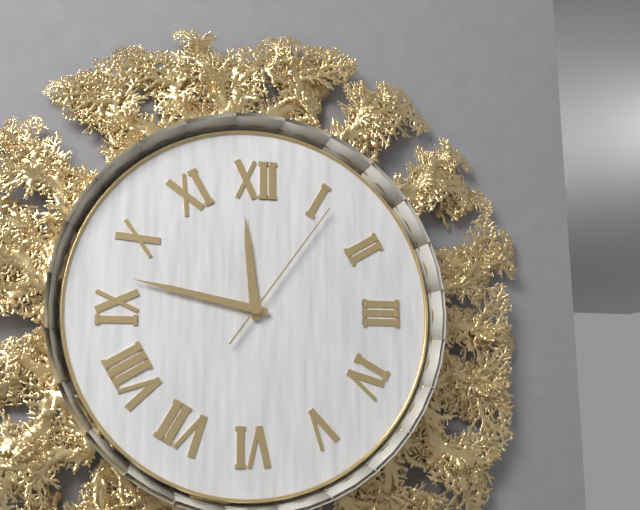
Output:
11.47.06
